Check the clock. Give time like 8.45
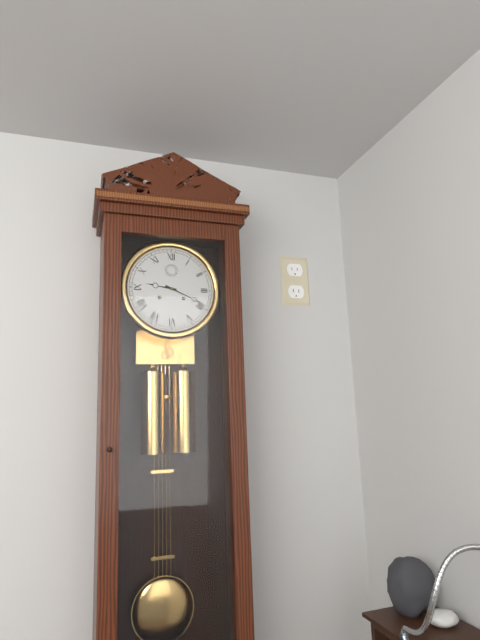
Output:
9.19
